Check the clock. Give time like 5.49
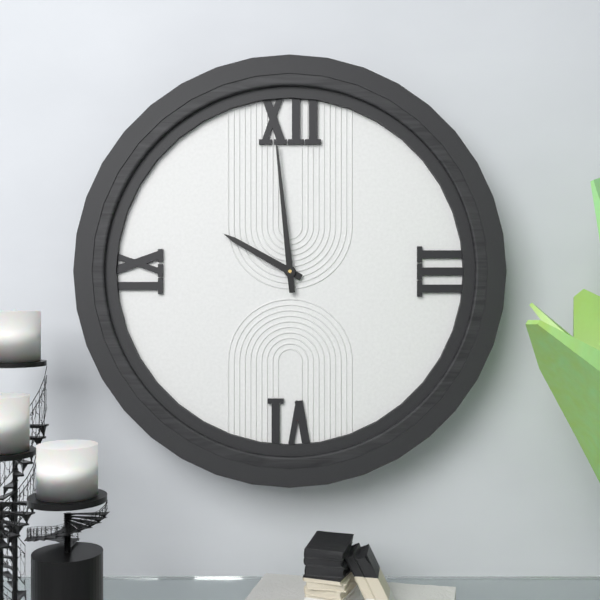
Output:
9.59
